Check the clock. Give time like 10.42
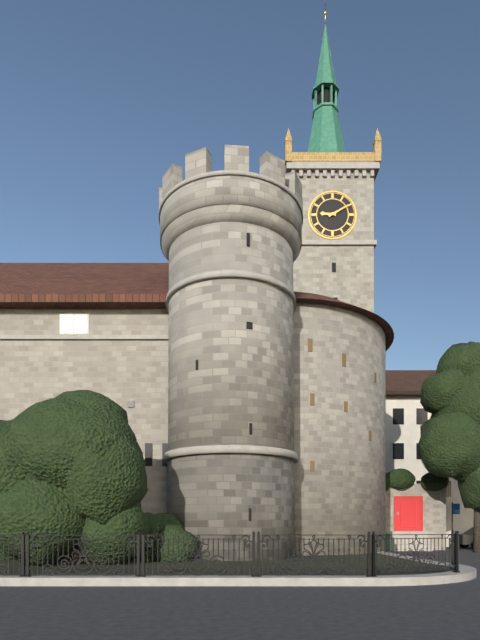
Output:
9.10
